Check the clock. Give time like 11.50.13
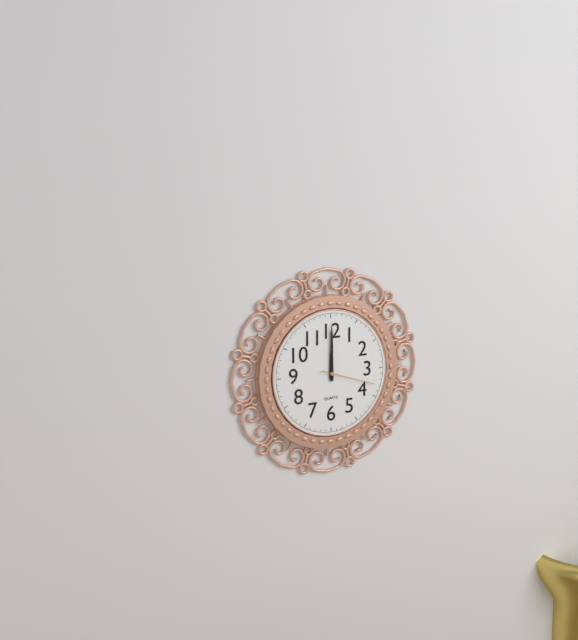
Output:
12.00.18
